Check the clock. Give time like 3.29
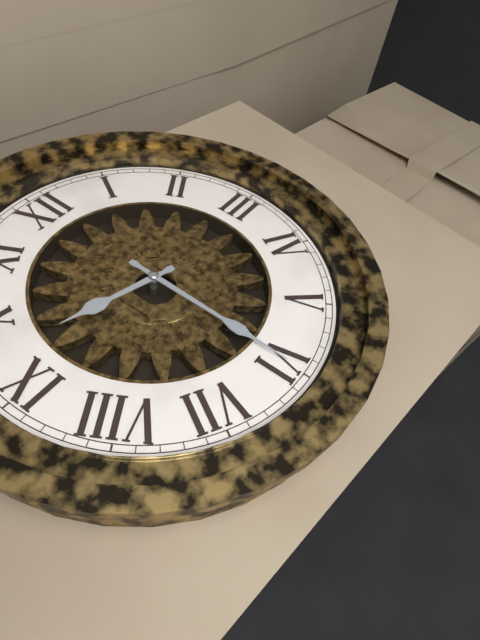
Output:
9.30
